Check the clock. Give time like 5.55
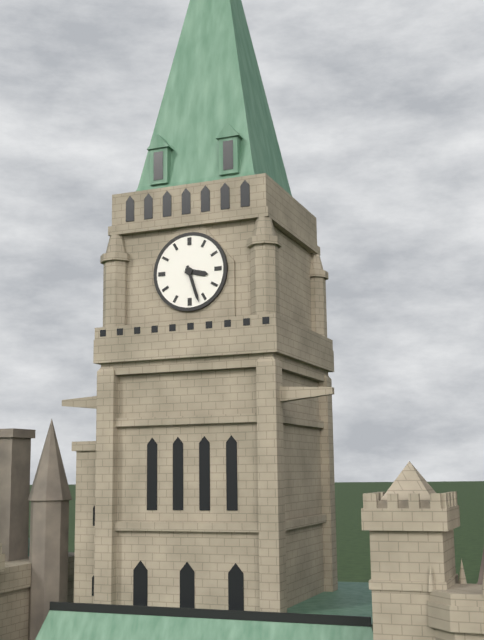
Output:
3.27
